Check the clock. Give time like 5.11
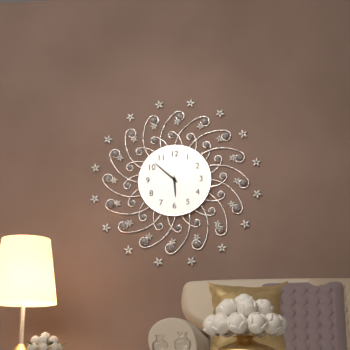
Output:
5.52
